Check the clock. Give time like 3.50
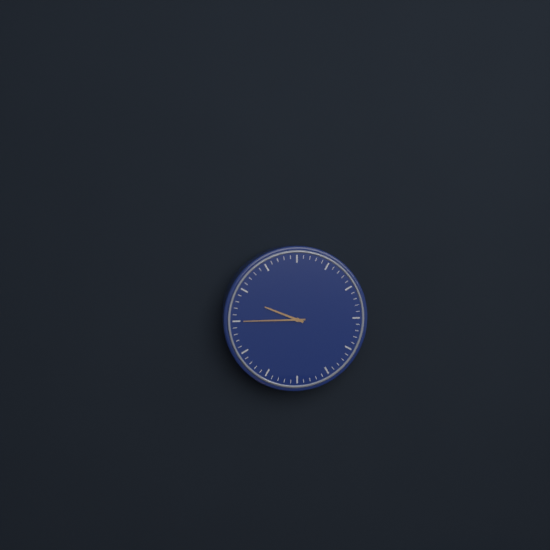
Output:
9.45
